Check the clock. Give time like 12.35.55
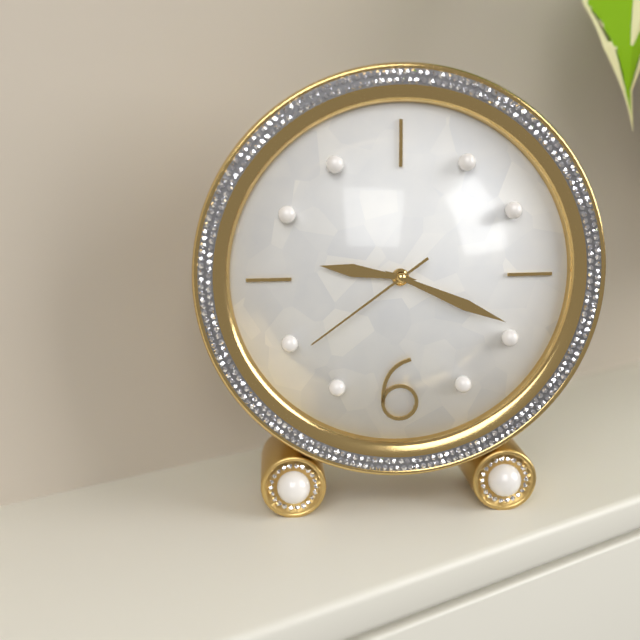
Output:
9.19.39
